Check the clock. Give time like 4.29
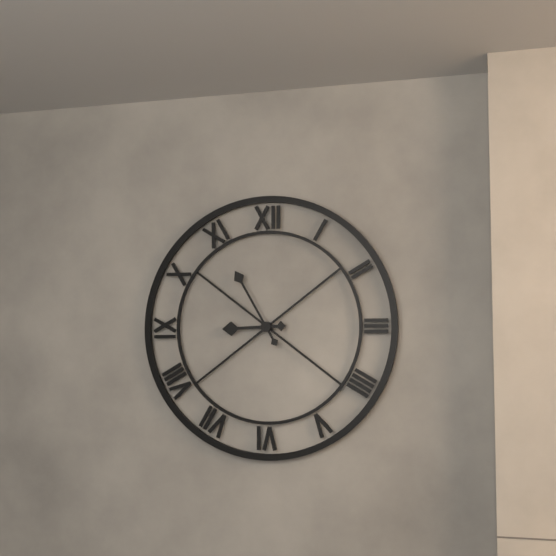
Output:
8.55
